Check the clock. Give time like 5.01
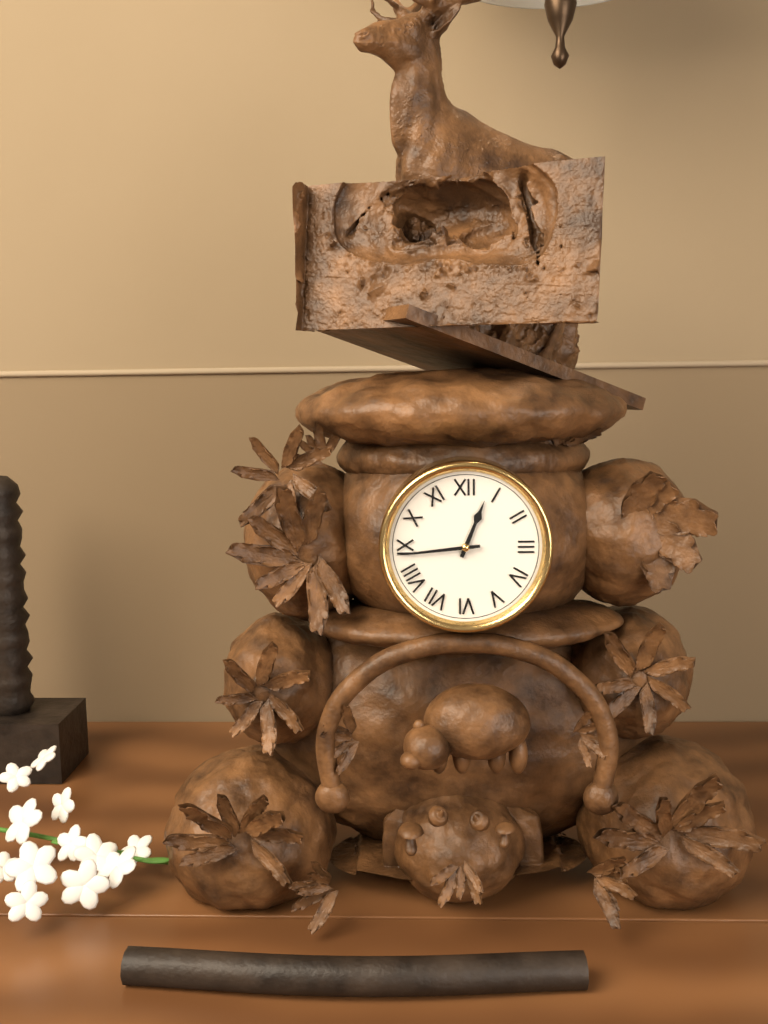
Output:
12.44
